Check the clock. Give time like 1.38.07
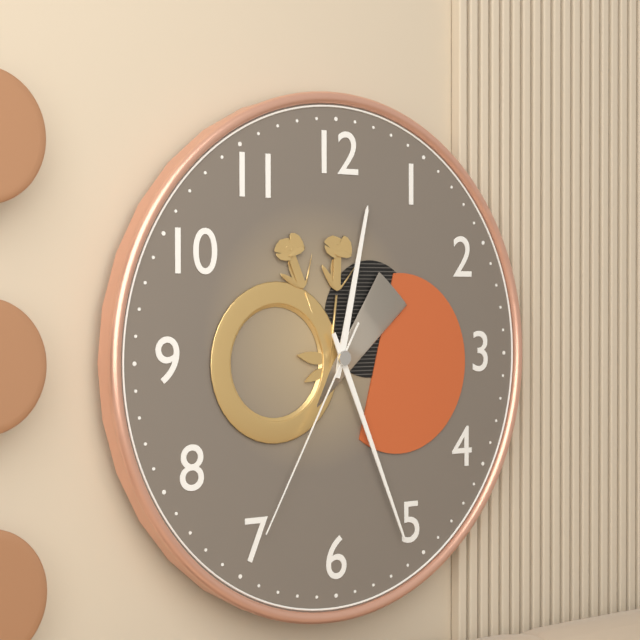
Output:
12.26.35
